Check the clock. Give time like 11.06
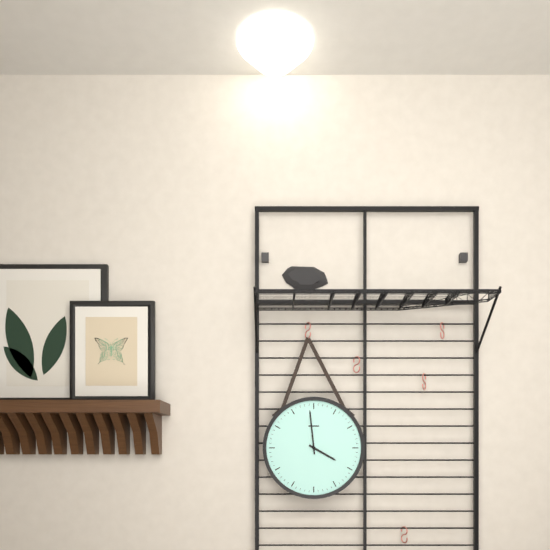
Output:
3.59
